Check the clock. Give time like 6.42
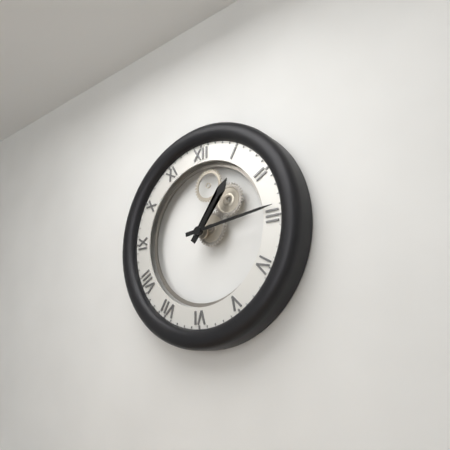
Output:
1.14
